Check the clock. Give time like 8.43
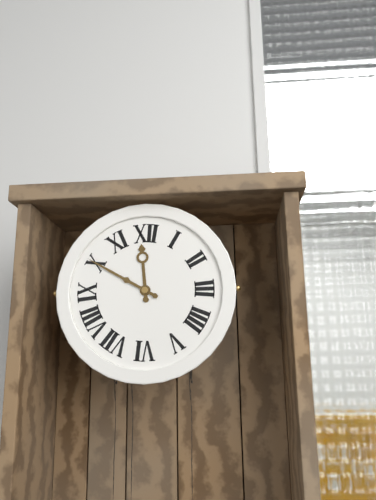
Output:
11.50
